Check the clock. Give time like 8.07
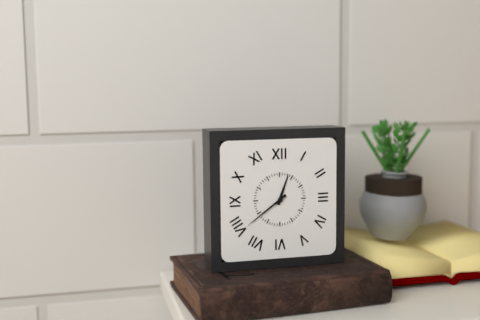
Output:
12.39
